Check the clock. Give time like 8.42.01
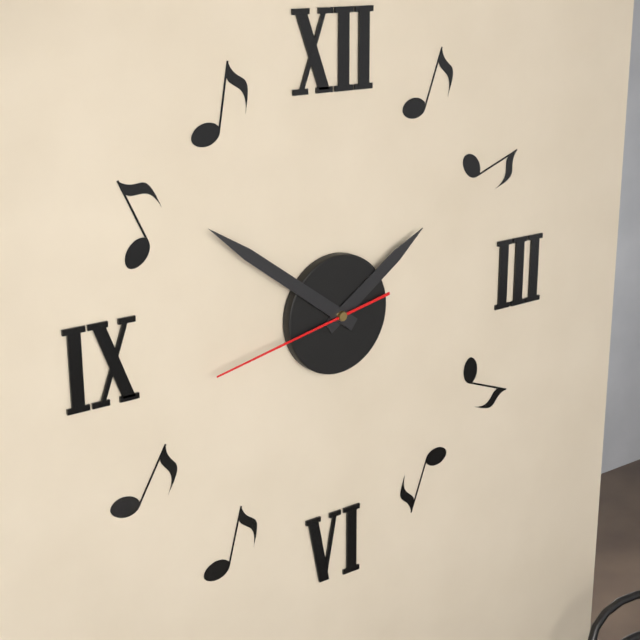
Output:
1.51.43
